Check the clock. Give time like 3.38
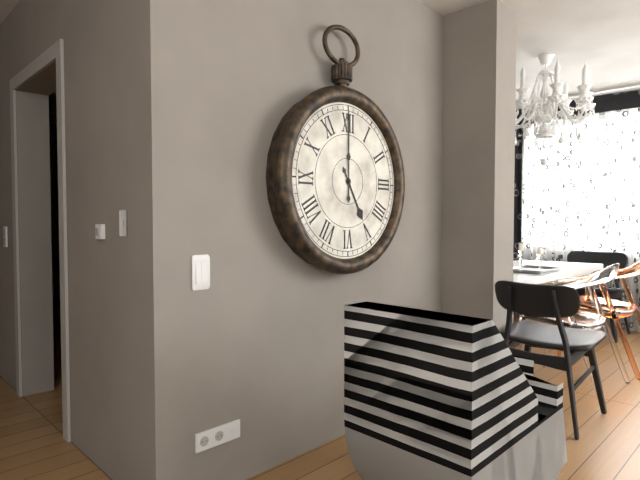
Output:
5.00
